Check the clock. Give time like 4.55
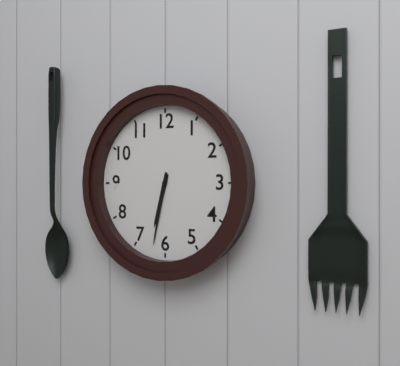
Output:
6.32
